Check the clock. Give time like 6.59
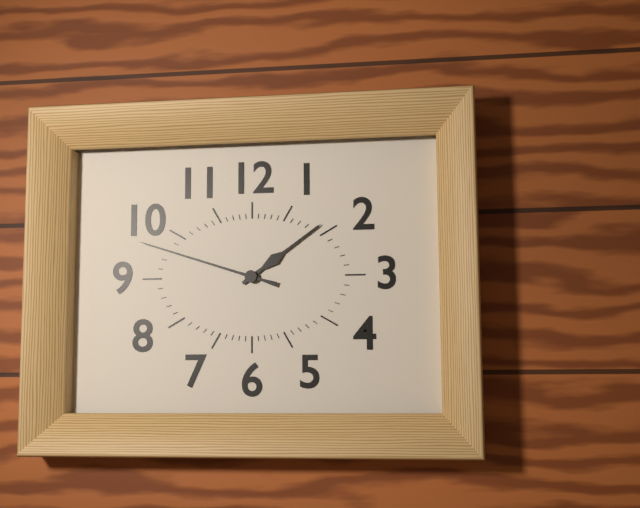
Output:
1.48
